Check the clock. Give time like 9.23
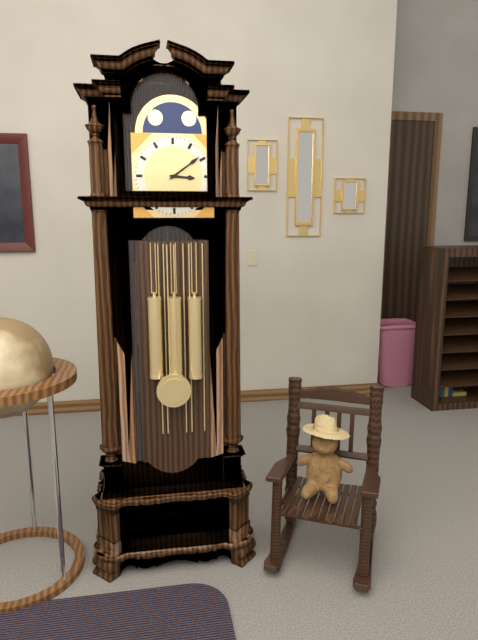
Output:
3.09
